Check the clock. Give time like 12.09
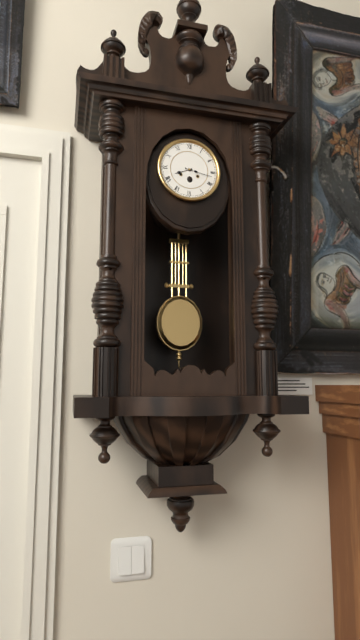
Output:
8.17
